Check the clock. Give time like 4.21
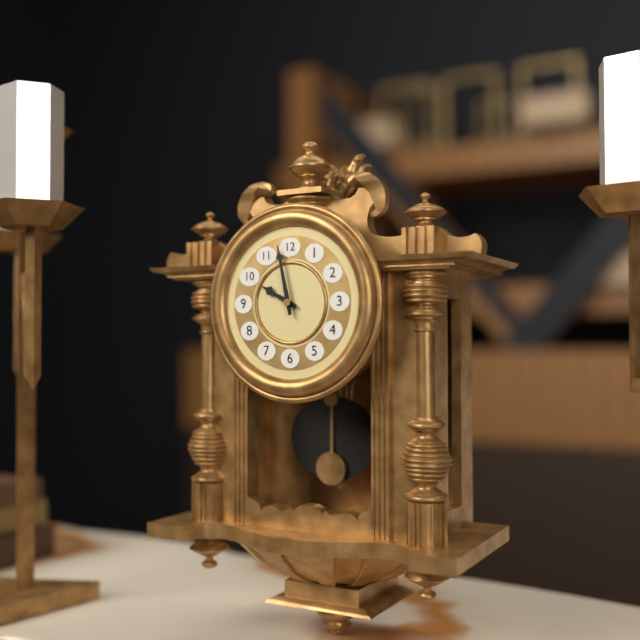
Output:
9.58
